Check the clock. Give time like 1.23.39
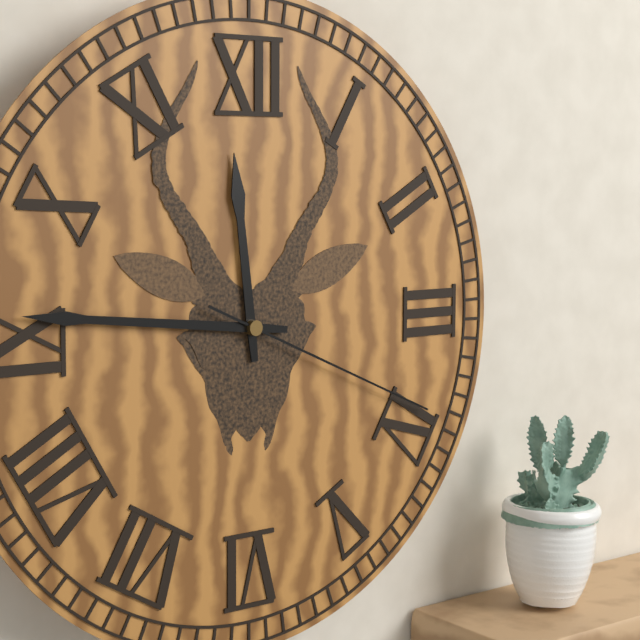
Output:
11.46.19
